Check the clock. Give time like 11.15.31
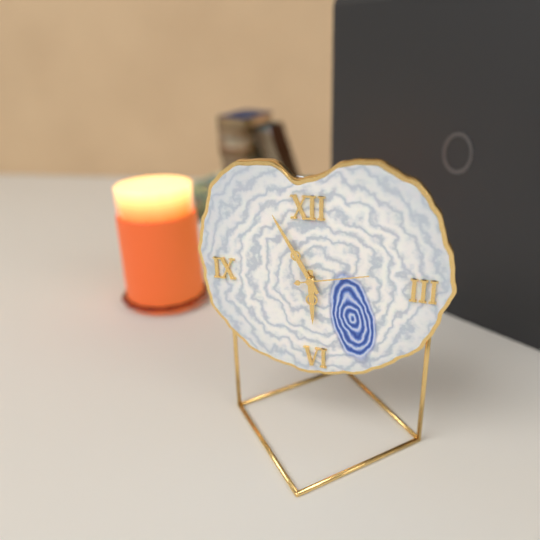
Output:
5.55.13
